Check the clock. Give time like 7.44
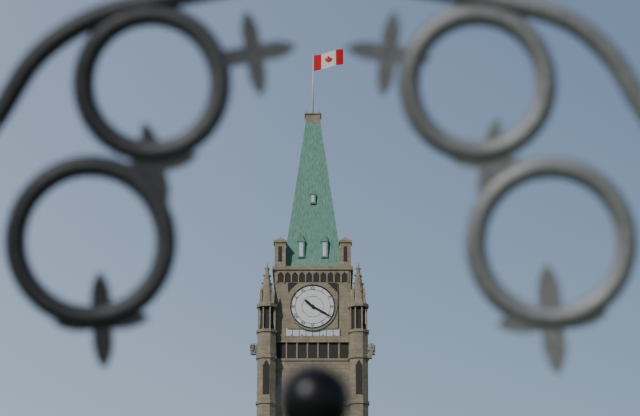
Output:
10.20
